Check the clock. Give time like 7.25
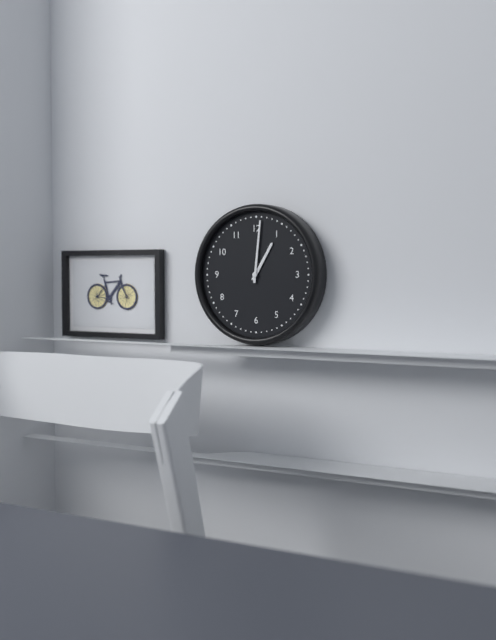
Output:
1.01
